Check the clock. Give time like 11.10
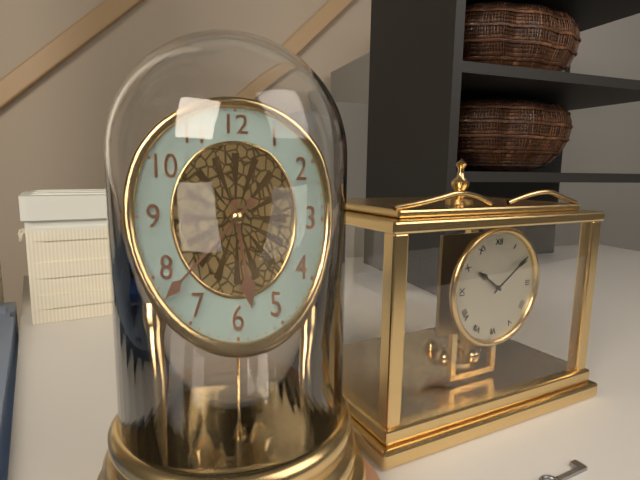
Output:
5.38
